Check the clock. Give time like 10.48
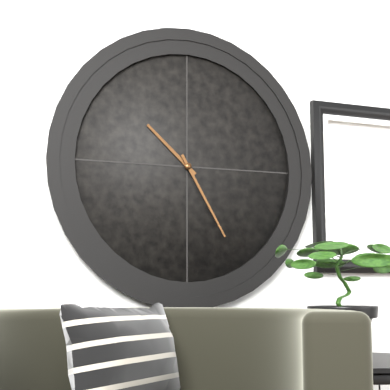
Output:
10.25
